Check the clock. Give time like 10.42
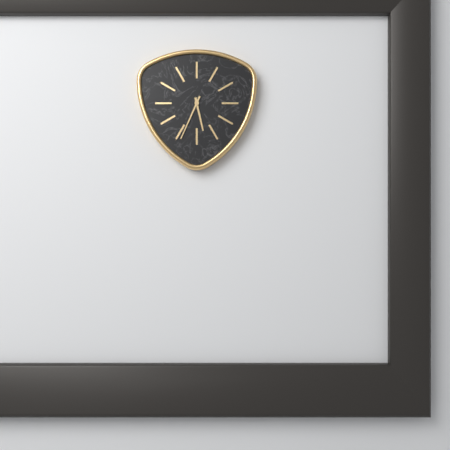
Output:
5.34
